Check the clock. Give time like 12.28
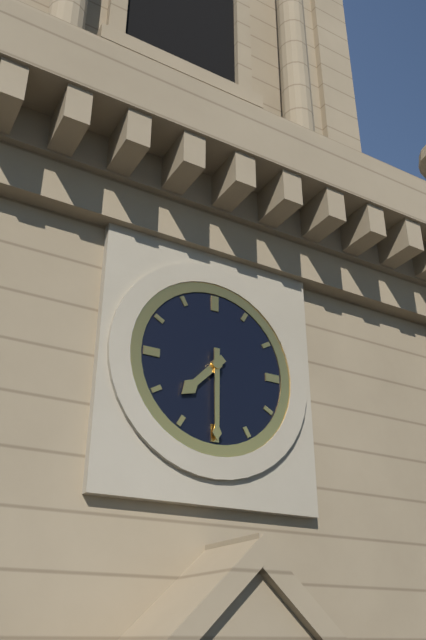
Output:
7.30
